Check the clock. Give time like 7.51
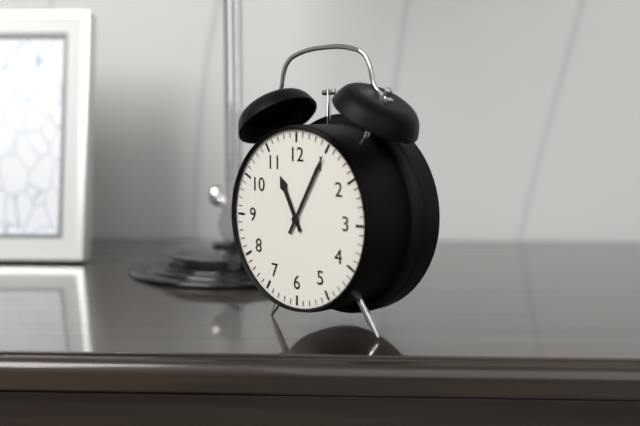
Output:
11.05
